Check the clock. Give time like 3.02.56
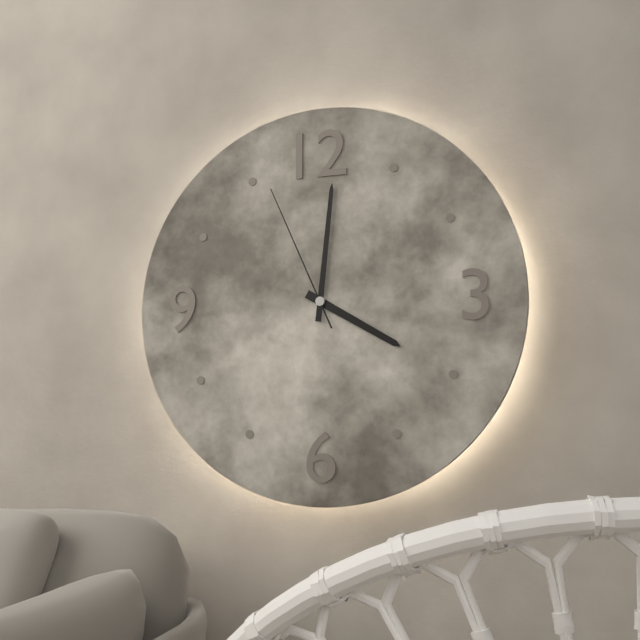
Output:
4.01.56
